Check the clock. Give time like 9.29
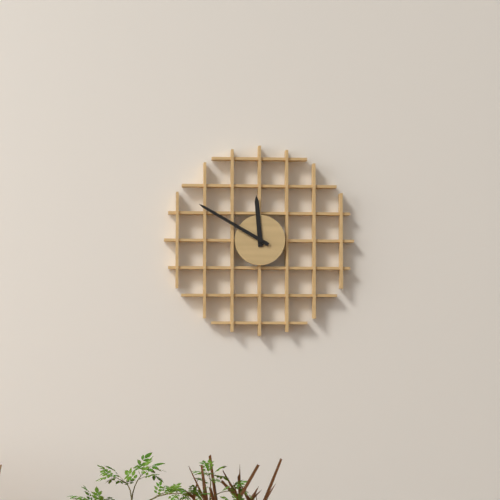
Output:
11.50
